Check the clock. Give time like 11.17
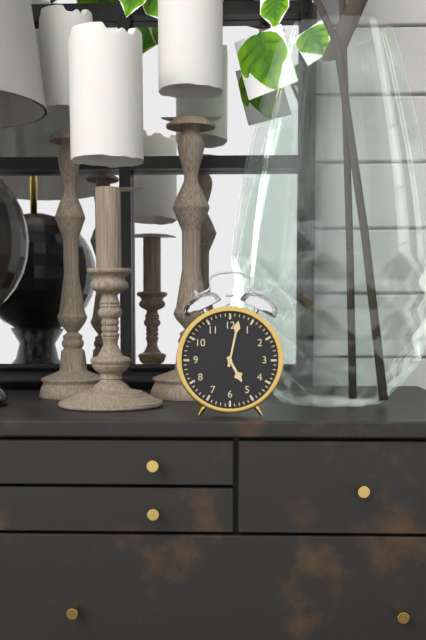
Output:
5.02
